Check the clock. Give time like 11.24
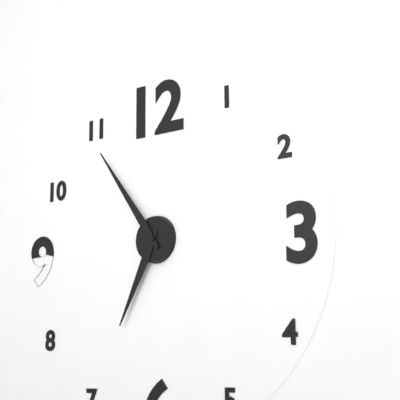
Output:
6.54
